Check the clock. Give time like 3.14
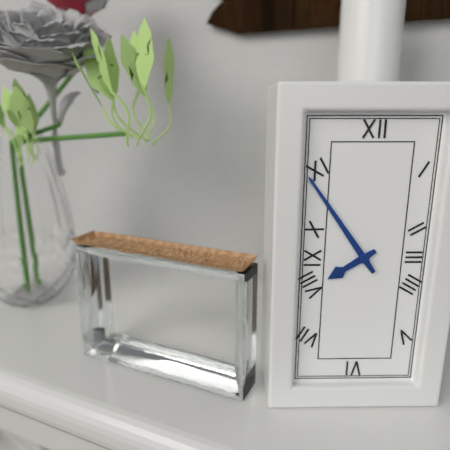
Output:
7.54
